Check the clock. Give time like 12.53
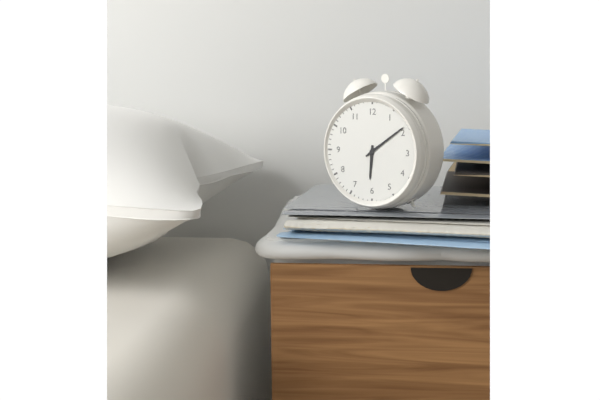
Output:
6.09
